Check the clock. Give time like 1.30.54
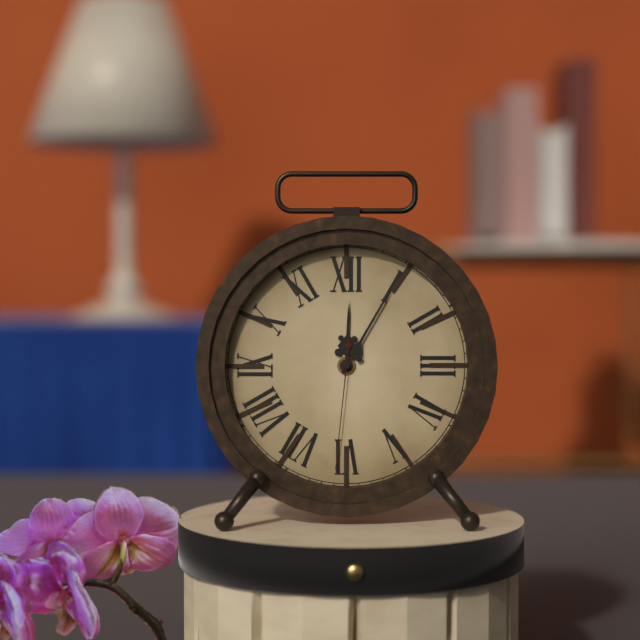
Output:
12.05.31
